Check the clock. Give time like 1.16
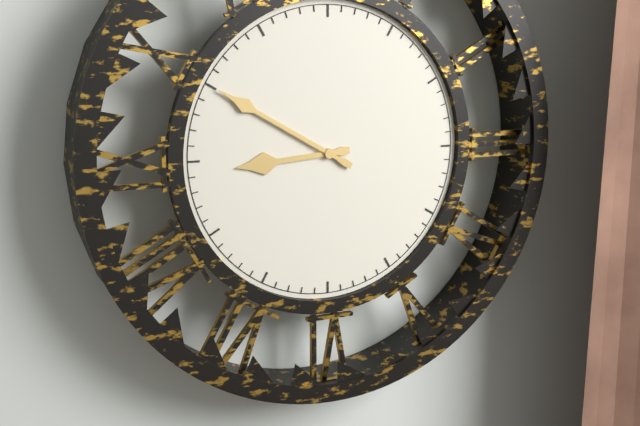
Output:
8.50
